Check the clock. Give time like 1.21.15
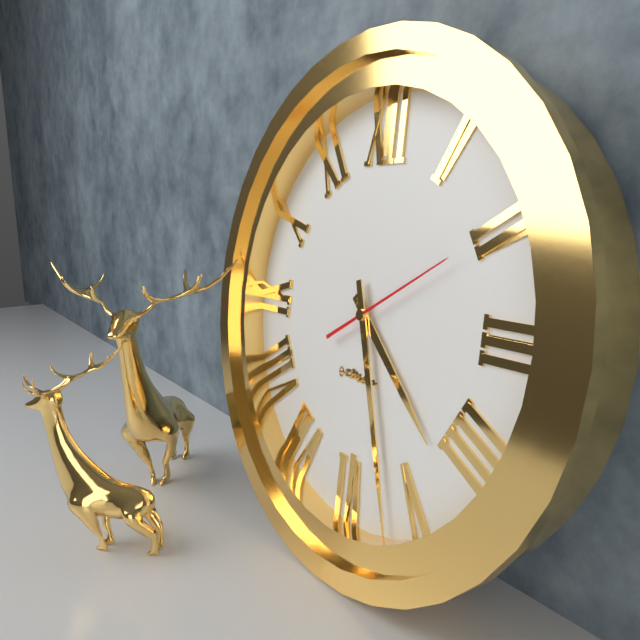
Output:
4.27.10
